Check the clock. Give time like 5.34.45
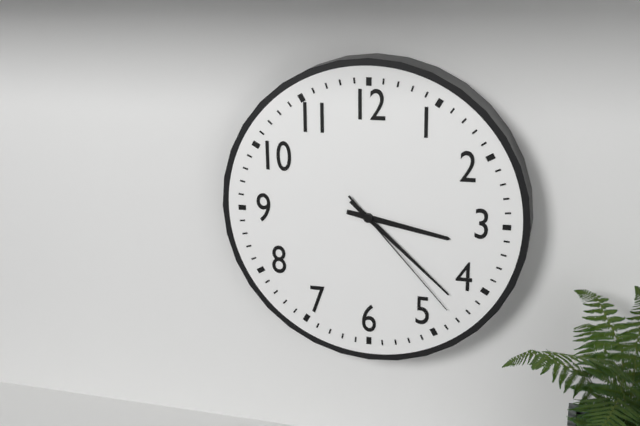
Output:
3.22.23
